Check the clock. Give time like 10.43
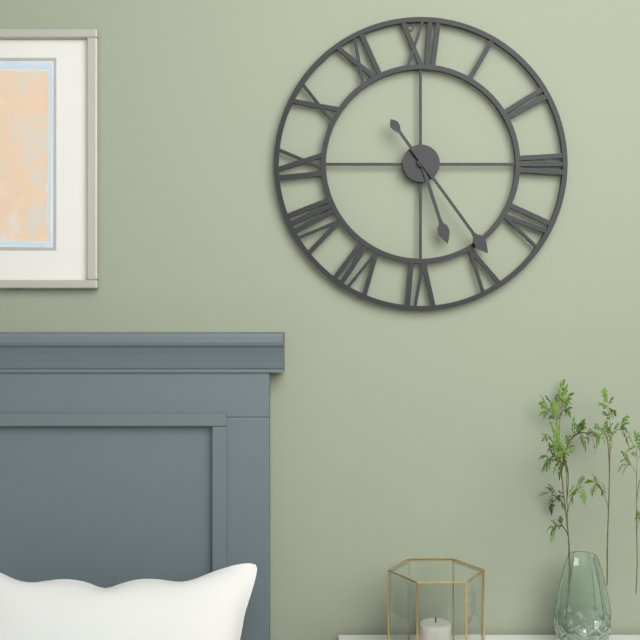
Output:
5.24
